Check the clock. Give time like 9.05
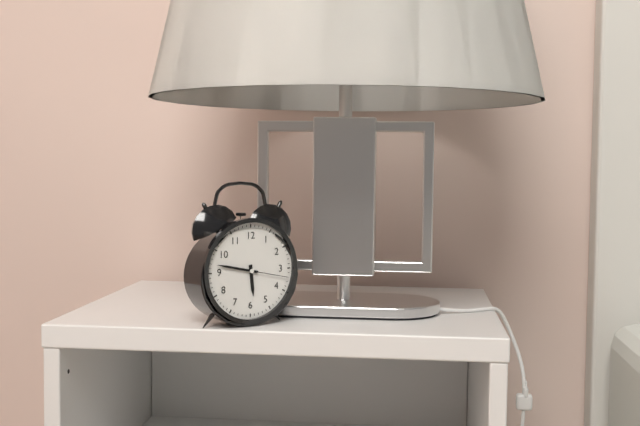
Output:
5.47
